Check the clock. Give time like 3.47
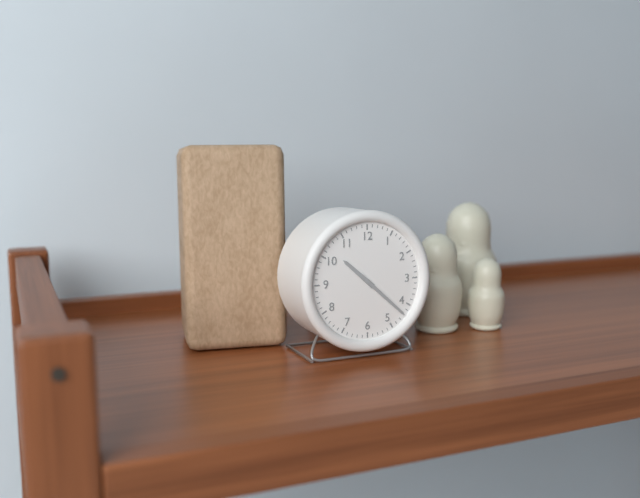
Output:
10.22
